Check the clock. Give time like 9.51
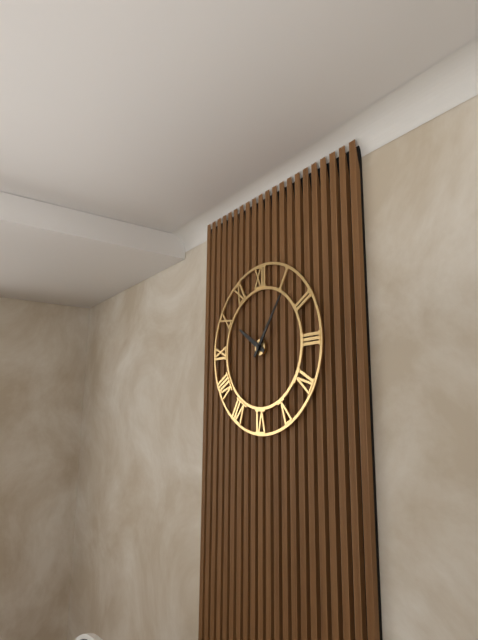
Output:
10.06
